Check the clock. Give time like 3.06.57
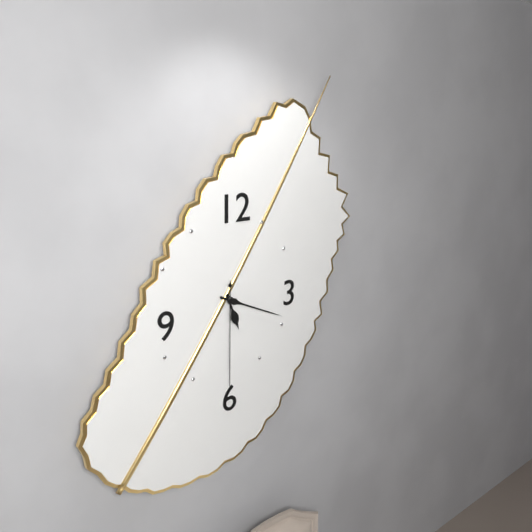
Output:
5.19.30
